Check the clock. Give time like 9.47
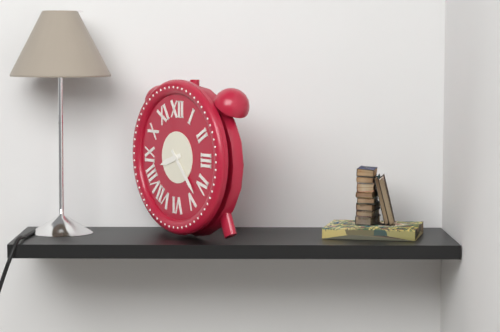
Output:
8.23
